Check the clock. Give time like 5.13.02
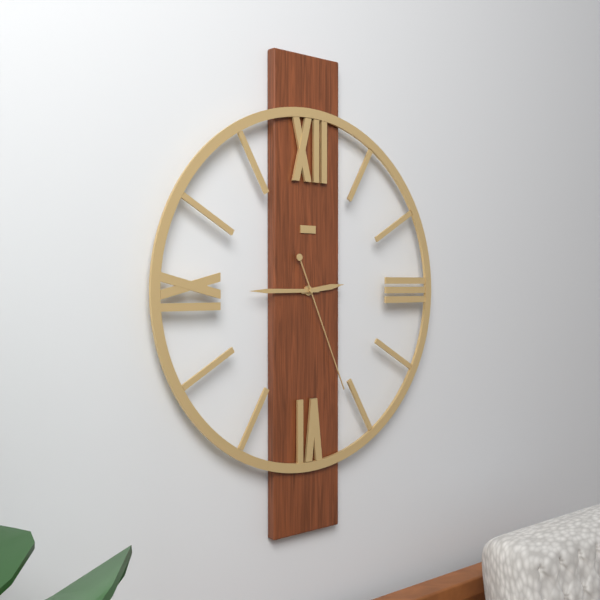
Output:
2.45.26
